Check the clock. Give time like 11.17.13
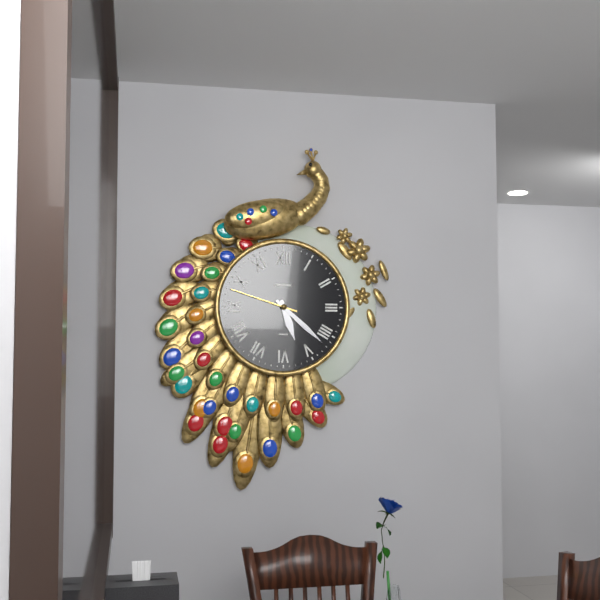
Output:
5.22.48
